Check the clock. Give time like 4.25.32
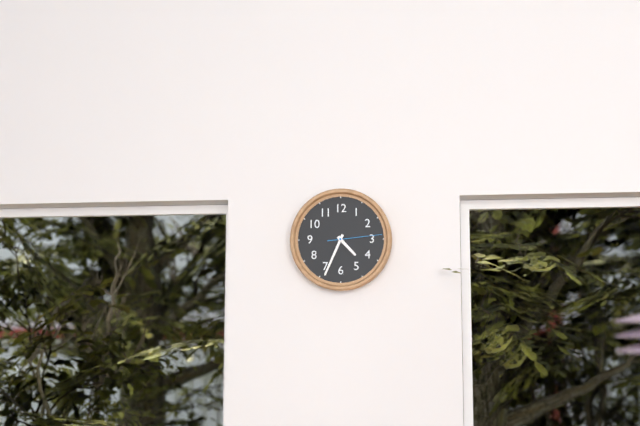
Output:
4.34.14
